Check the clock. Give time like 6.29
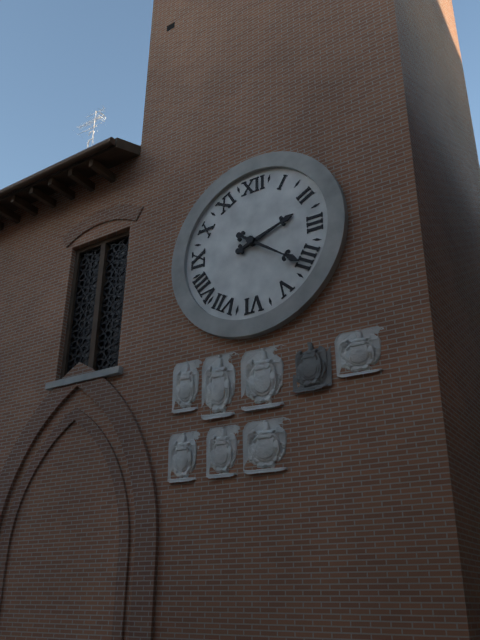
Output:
2.21
